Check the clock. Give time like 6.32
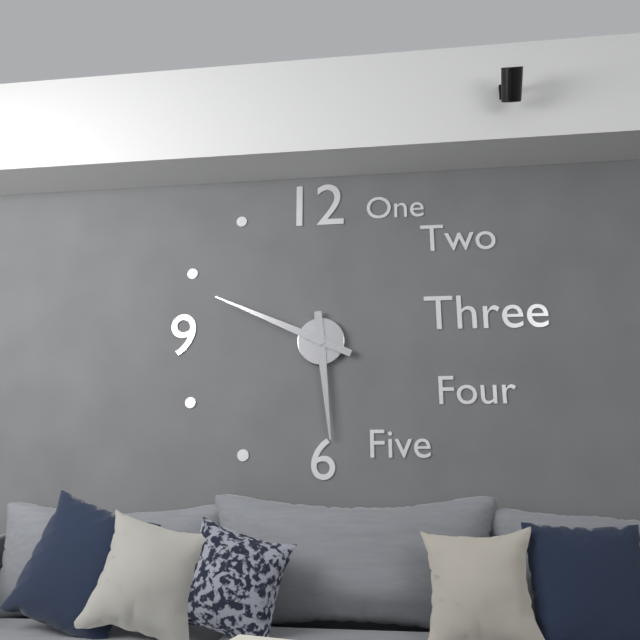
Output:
5.49
